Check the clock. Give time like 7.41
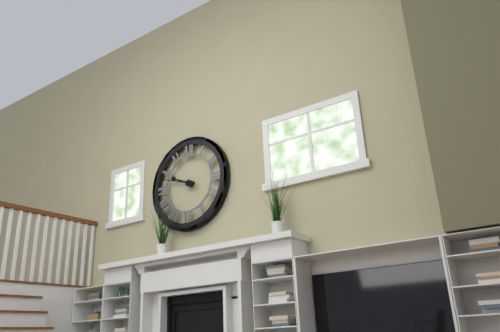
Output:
9.48
